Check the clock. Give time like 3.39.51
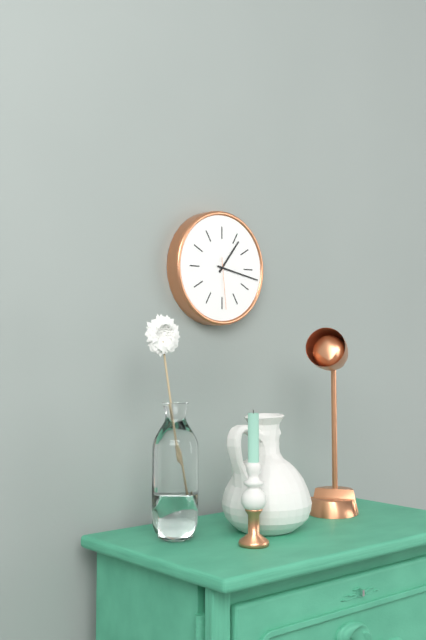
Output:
1.17.29
